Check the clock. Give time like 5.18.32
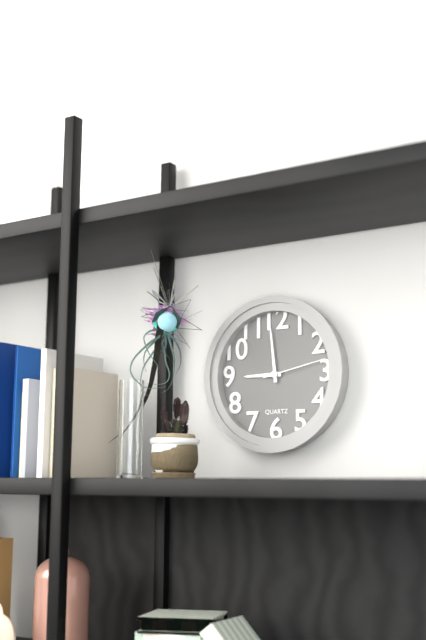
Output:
8.59.13
